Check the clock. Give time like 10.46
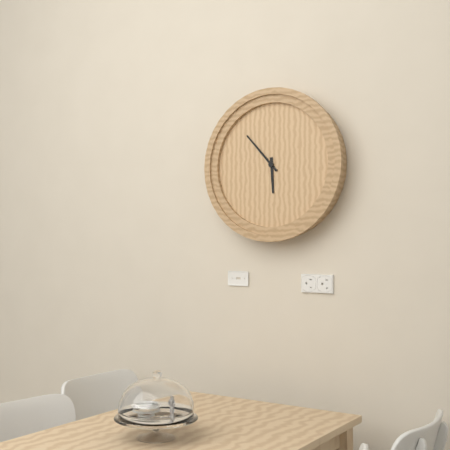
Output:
5.53
